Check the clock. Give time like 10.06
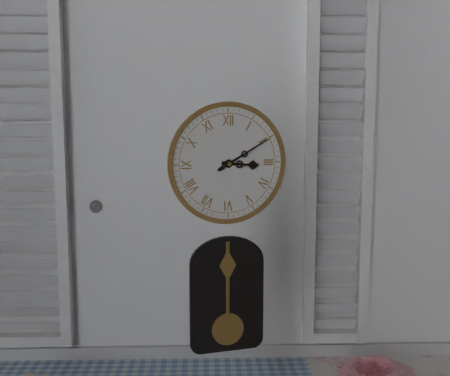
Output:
3.10
